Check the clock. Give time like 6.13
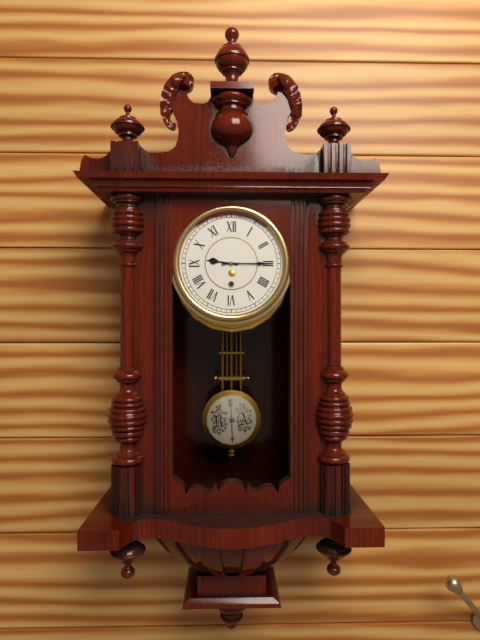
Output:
9.15
